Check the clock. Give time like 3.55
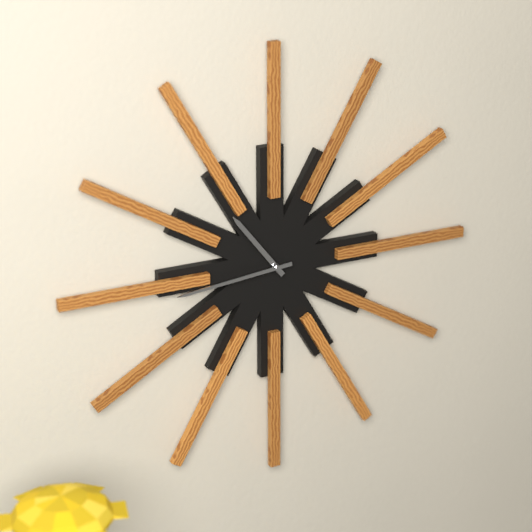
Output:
10.44
